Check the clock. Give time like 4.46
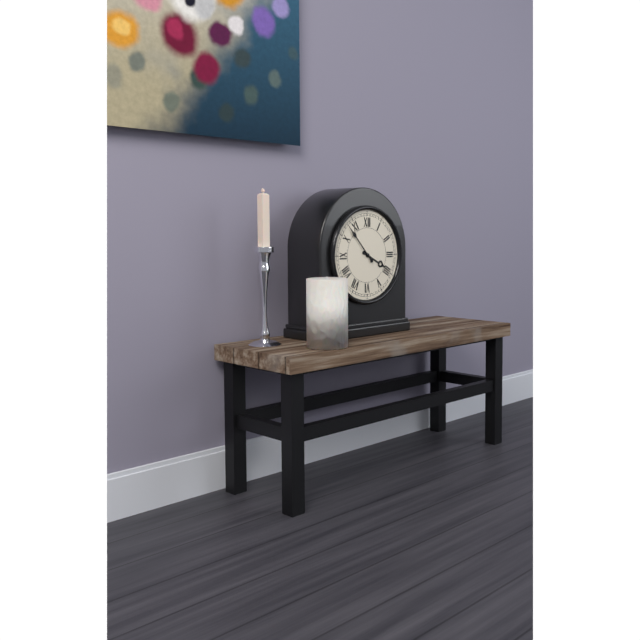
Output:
3.53
